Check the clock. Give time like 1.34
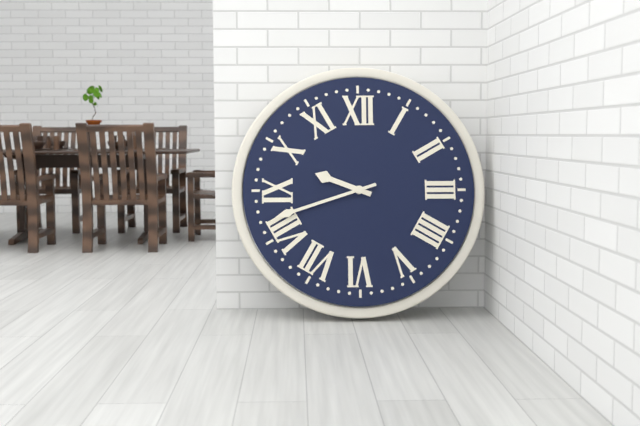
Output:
9.42
